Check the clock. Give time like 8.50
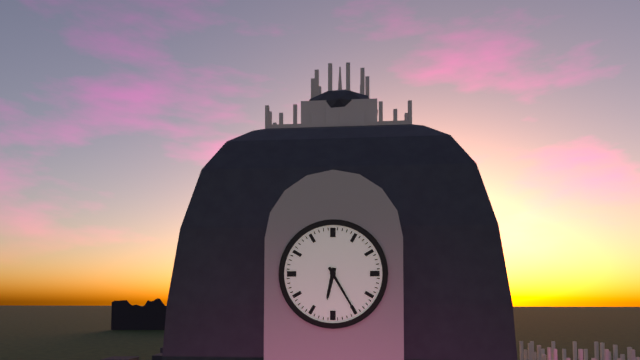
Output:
6.25
